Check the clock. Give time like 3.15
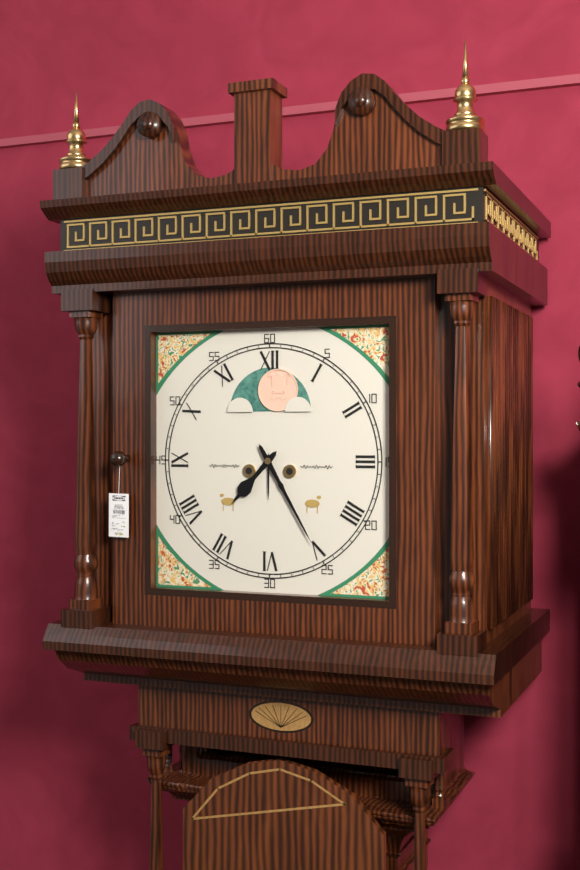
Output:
7.25
